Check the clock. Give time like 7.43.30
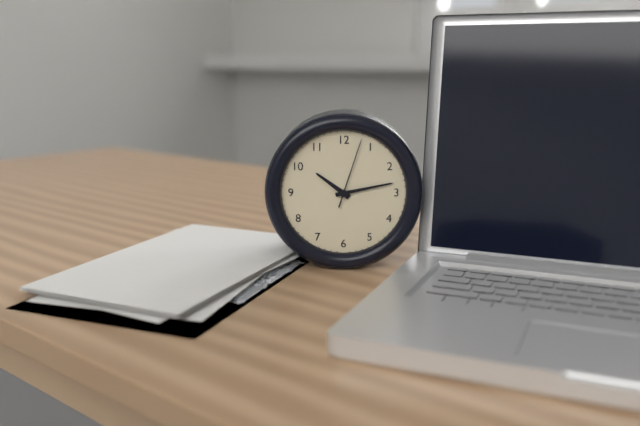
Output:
10.13.03
